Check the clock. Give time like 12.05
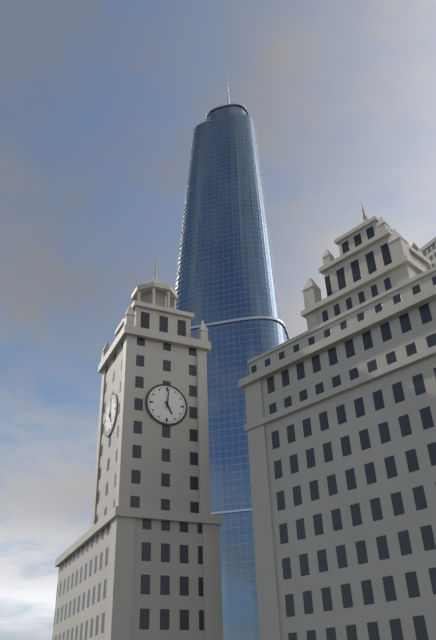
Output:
5.01
